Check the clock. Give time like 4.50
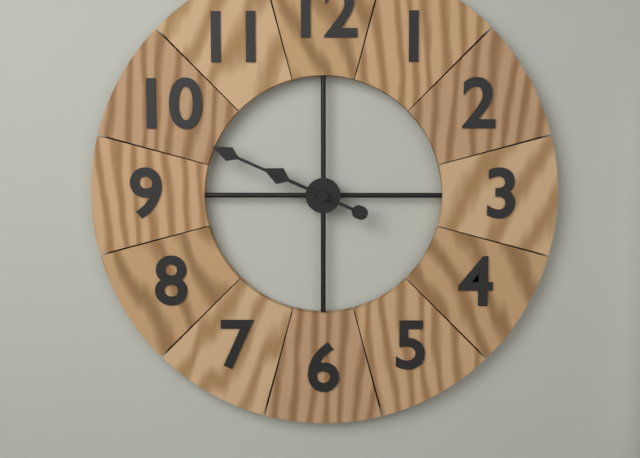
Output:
9.49
